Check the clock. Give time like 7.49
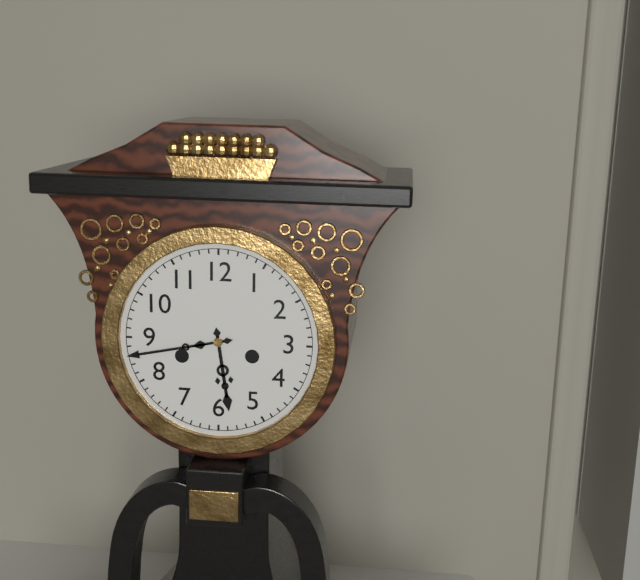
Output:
5.43
